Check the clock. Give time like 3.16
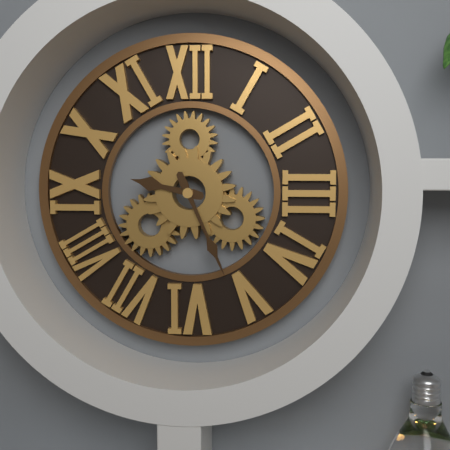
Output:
9.26
